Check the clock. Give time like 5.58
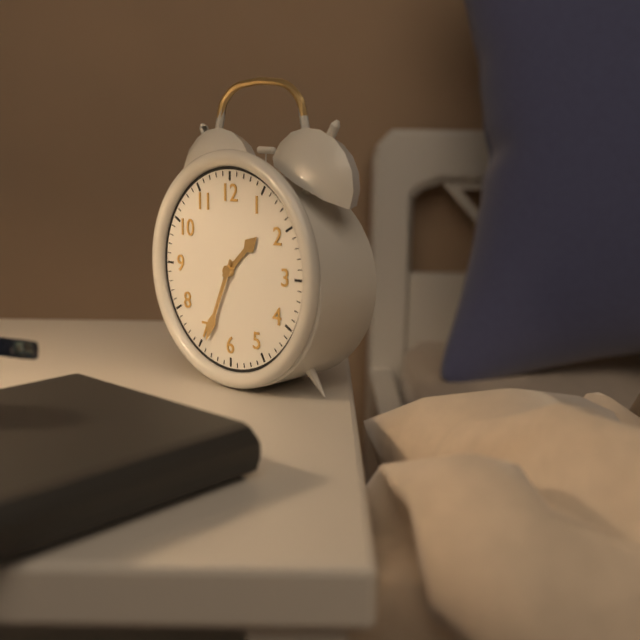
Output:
1.34
